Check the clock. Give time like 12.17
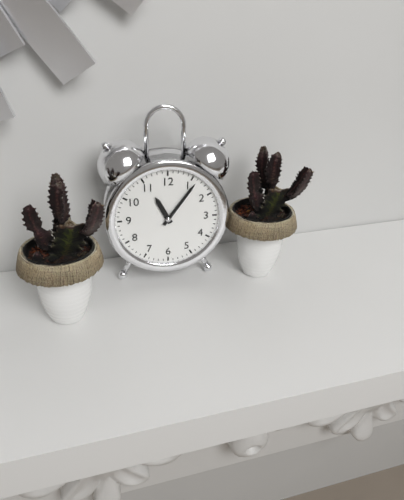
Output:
11.06
